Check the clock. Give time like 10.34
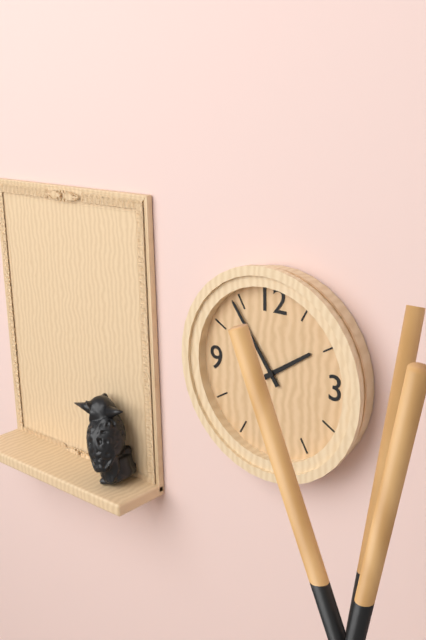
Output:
1.54
